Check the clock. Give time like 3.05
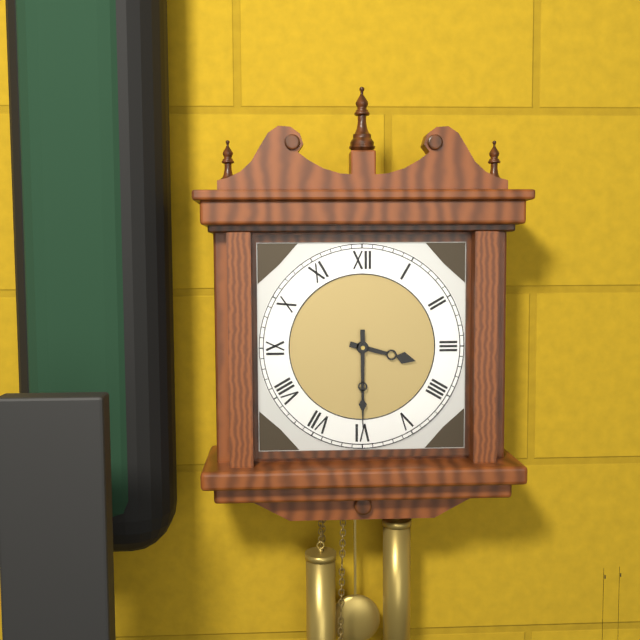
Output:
3.30
